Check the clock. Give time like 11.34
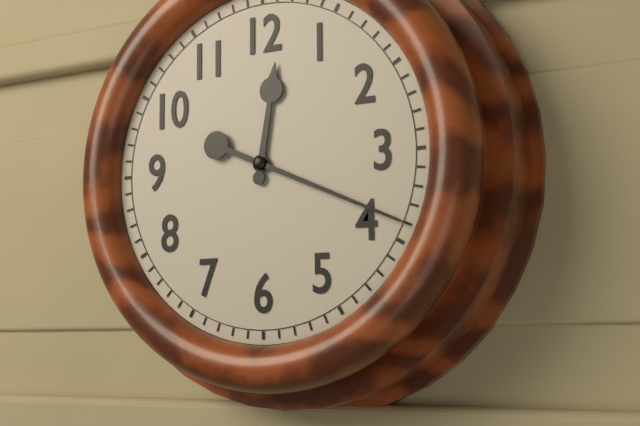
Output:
12.19
